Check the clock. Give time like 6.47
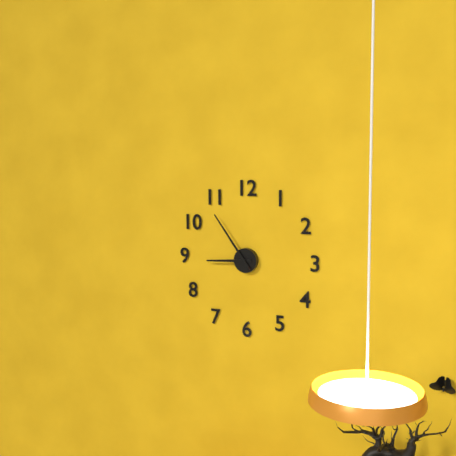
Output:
8.54
